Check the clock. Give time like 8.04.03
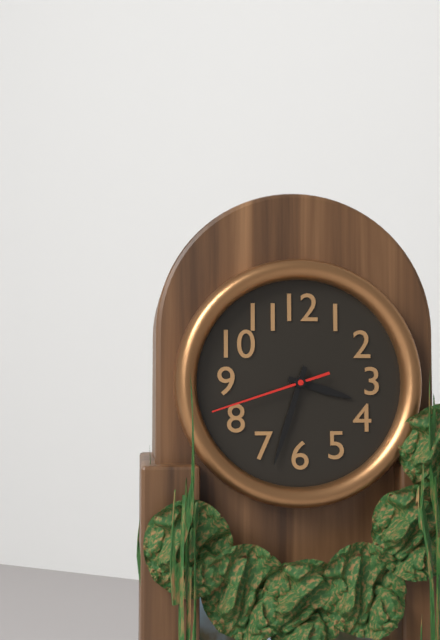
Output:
3.33.42
